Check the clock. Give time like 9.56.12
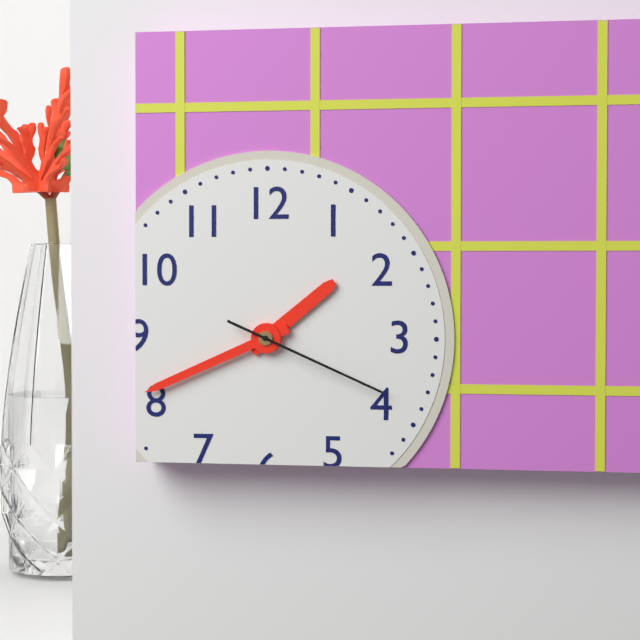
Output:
1.41.19
